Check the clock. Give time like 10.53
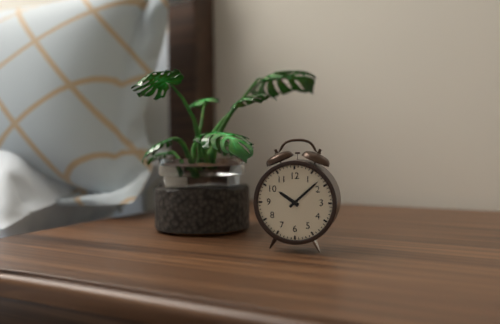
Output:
10.08
